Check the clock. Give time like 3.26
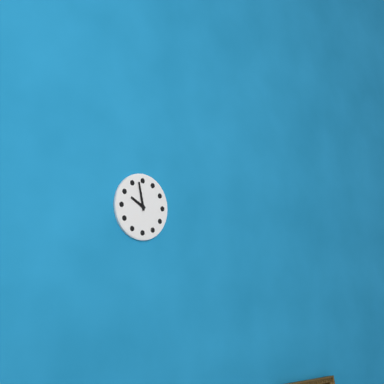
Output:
9.58
